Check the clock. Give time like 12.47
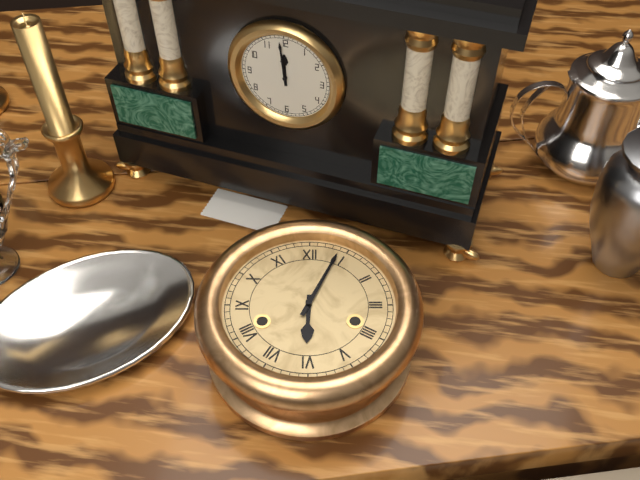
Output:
6.04
